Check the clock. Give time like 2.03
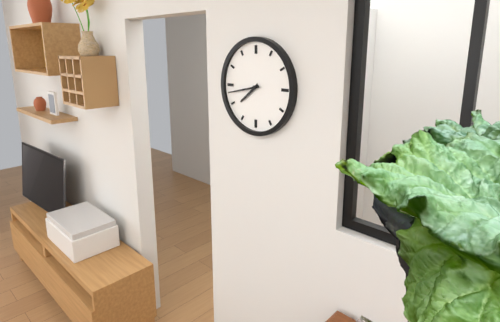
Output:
7.43
